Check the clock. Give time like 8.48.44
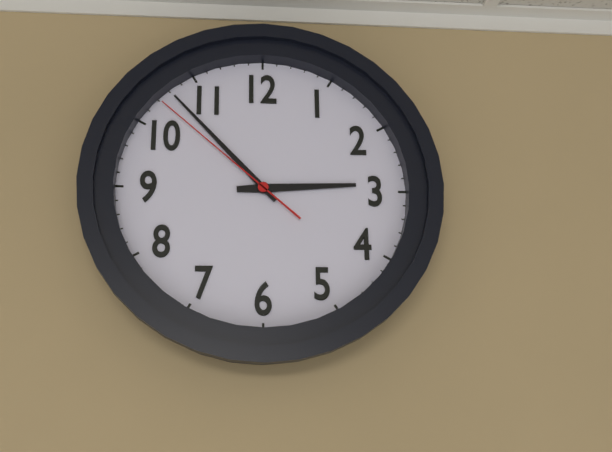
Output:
2.53.52
